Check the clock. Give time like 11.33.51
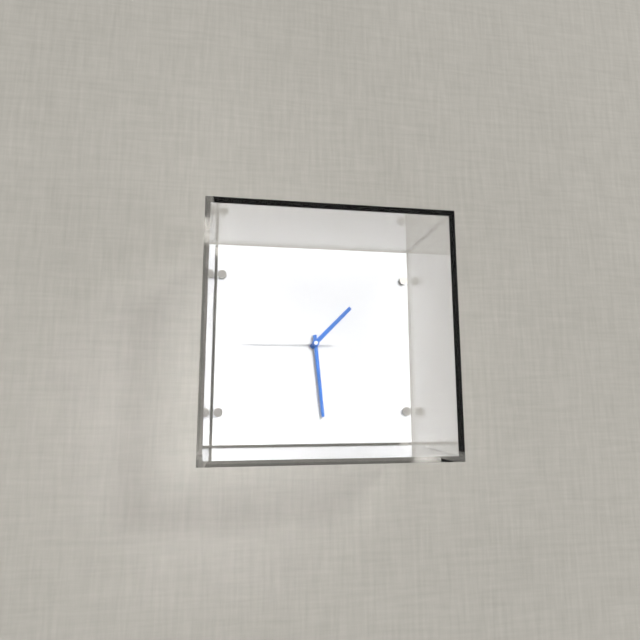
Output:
1.29.45
